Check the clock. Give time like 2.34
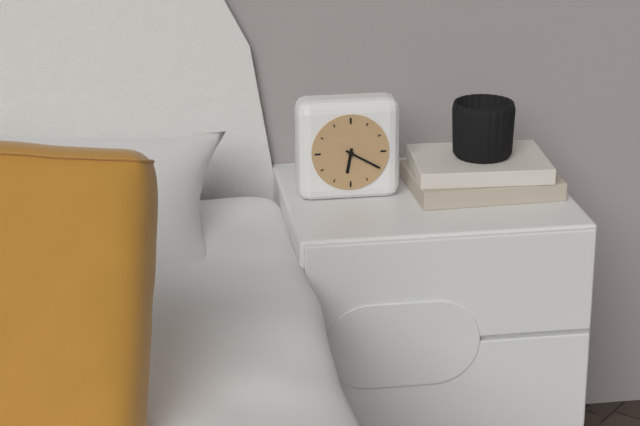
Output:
6.20
